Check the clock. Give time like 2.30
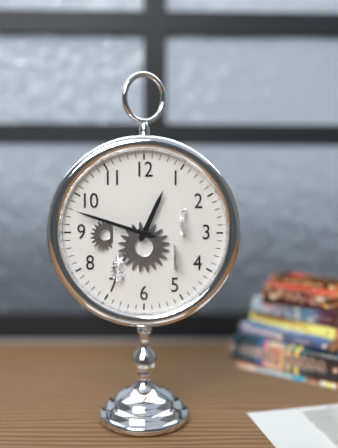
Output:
12.48
